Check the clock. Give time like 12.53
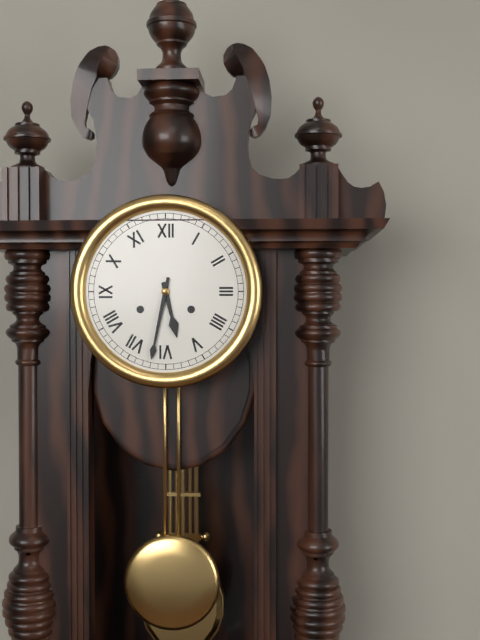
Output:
5.32
